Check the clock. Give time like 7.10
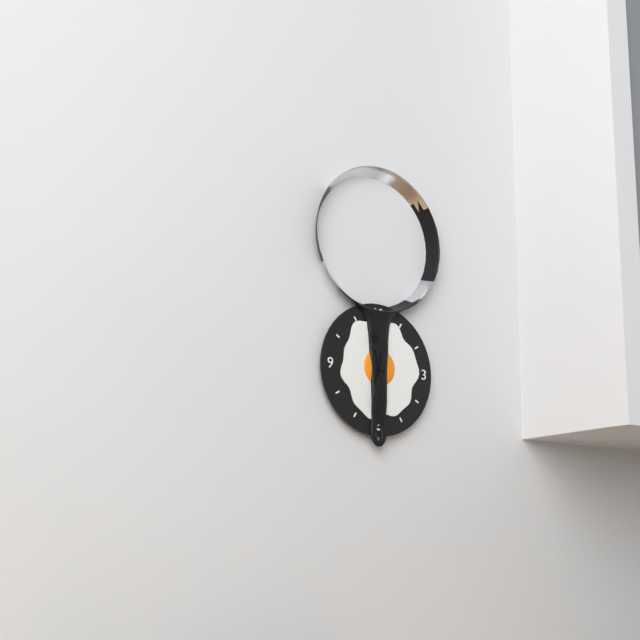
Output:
11.32
